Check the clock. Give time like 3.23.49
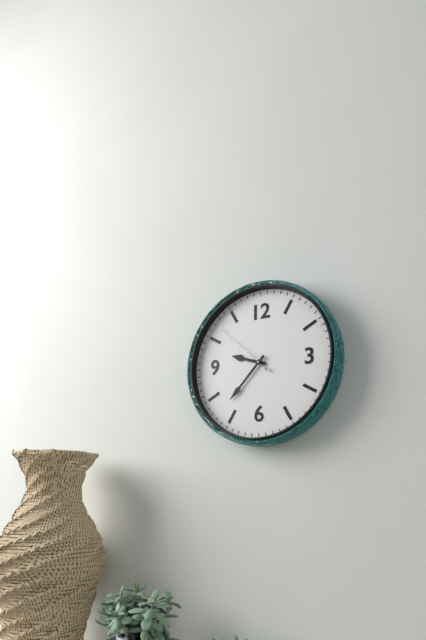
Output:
9.37.52
